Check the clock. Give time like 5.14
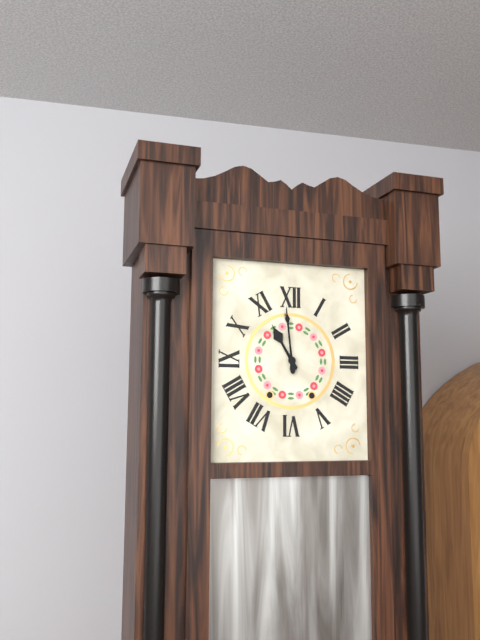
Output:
10.59
